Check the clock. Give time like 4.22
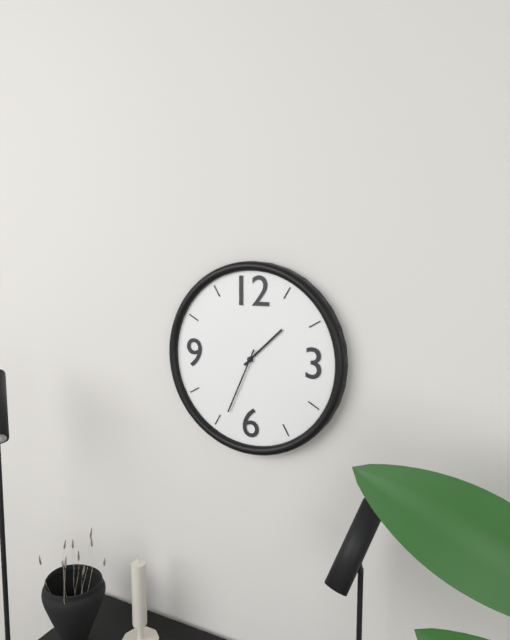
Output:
1.34
